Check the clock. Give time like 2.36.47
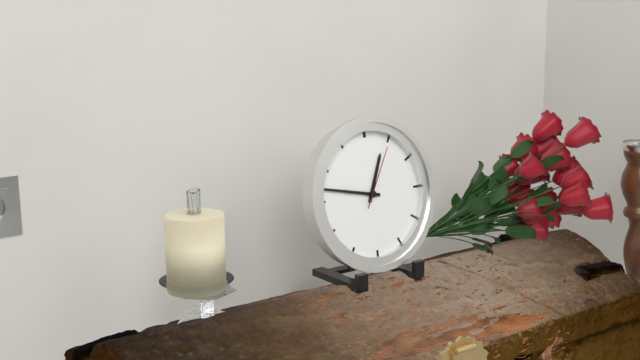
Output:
12.47.05
